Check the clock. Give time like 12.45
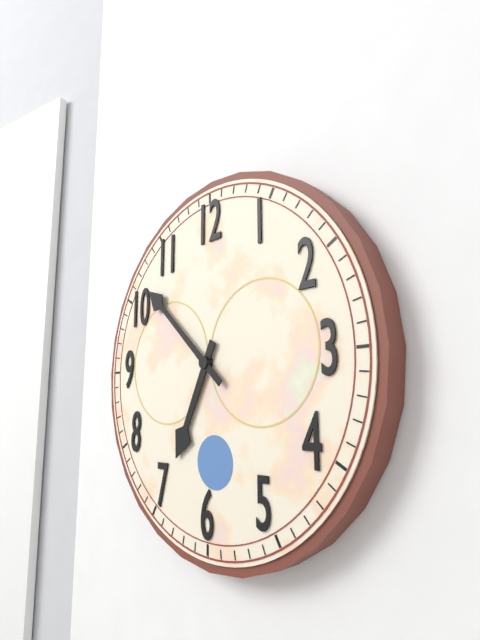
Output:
6.52
